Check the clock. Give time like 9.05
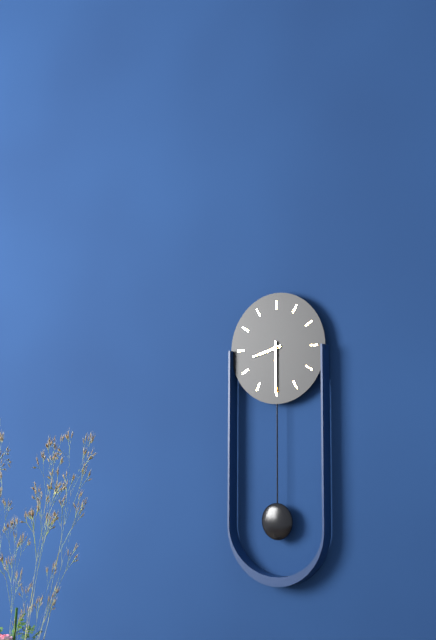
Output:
8.30
